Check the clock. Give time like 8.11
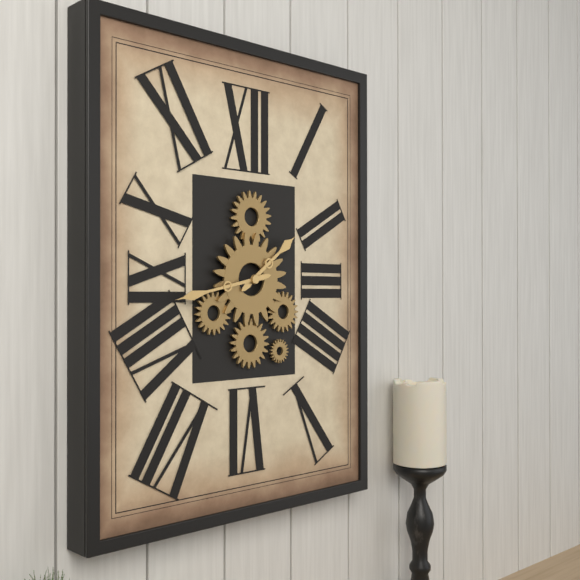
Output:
1.43
